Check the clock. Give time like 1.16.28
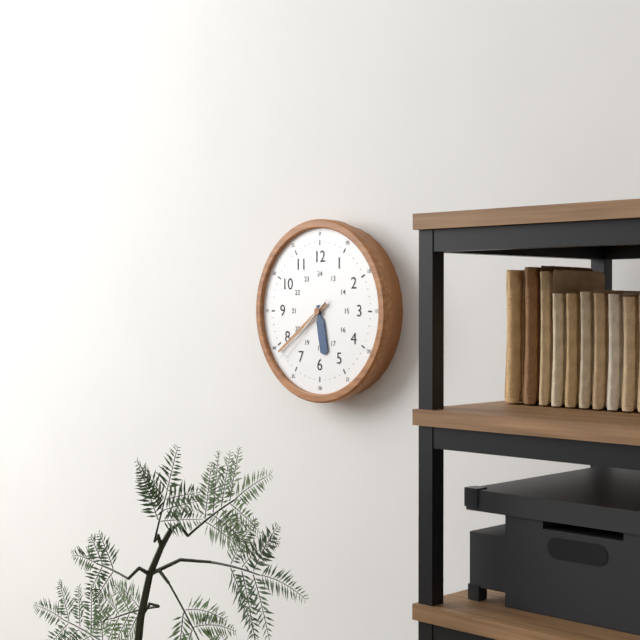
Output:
5.39.38
